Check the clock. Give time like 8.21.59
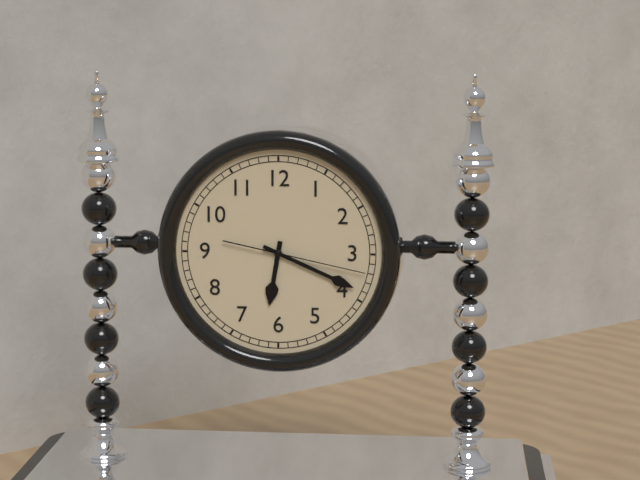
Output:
6.19.17
